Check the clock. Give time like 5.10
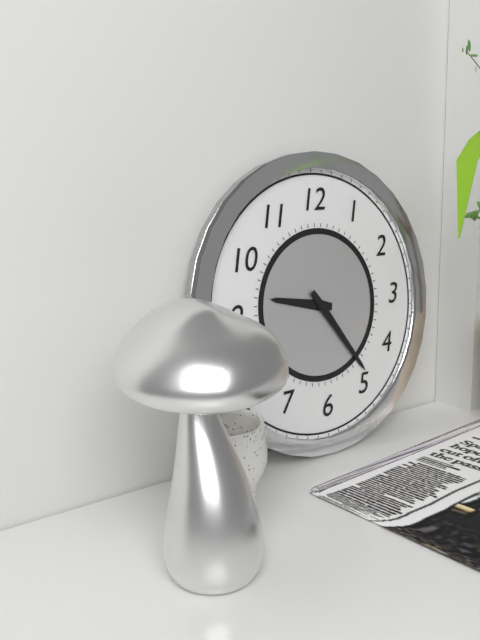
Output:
9.24
